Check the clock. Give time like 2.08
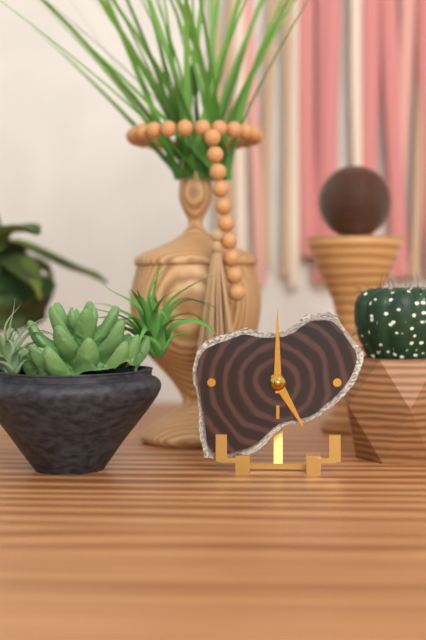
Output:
5.00
